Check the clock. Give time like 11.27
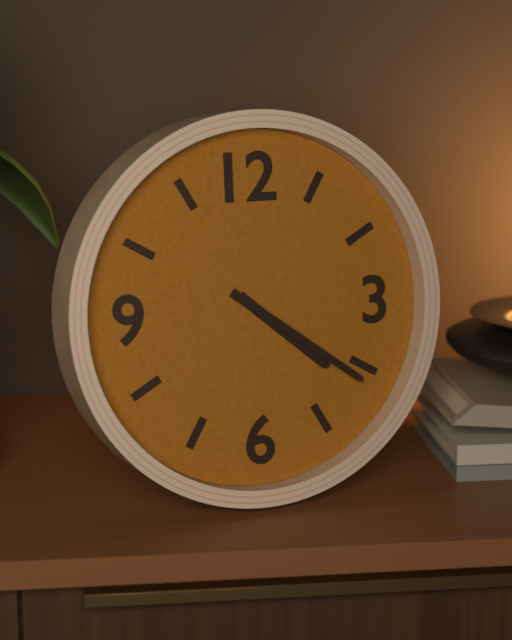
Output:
4.21
